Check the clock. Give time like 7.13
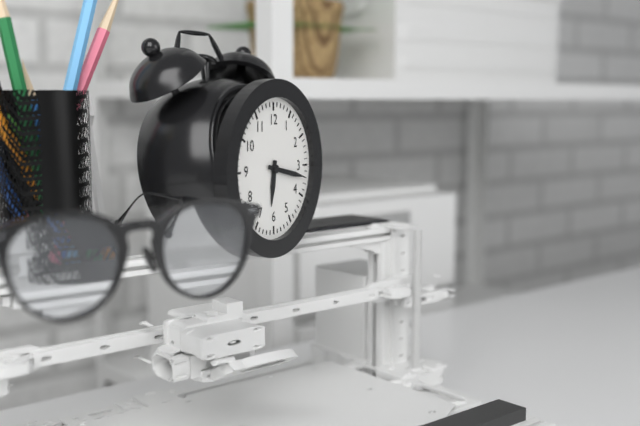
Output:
6.17
